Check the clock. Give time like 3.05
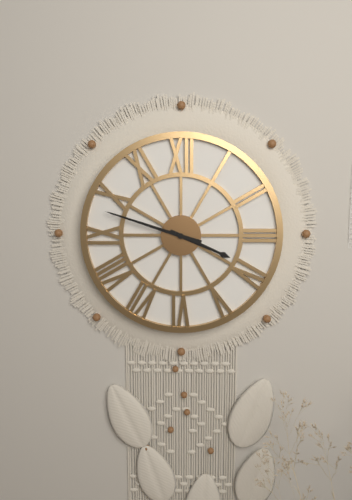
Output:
3.48
